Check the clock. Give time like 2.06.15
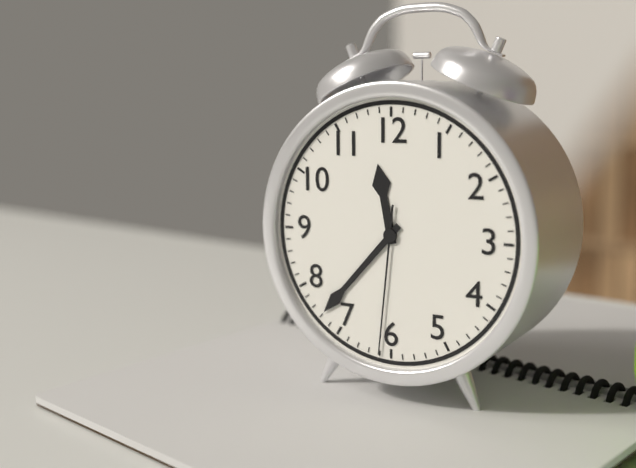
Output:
11.37.31
